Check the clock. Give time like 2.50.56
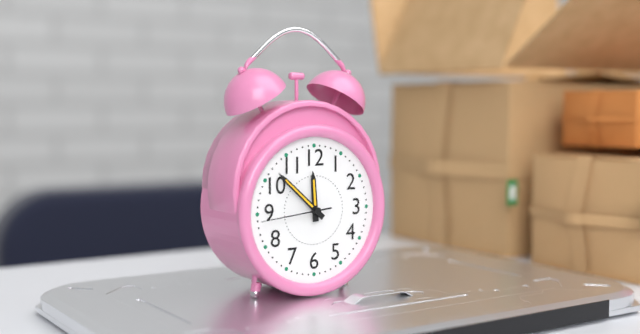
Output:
11.52.44
